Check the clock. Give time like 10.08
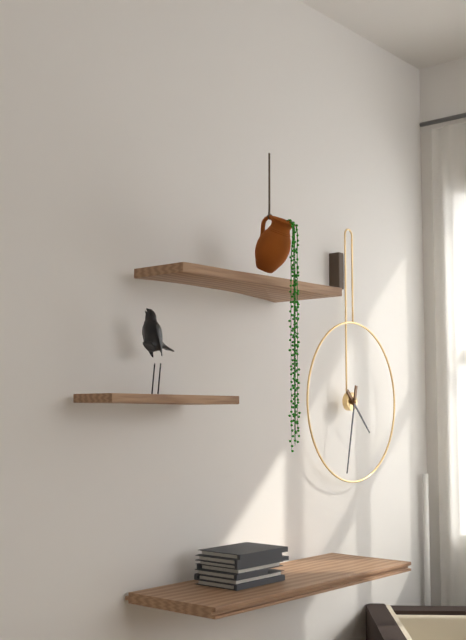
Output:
4.32
